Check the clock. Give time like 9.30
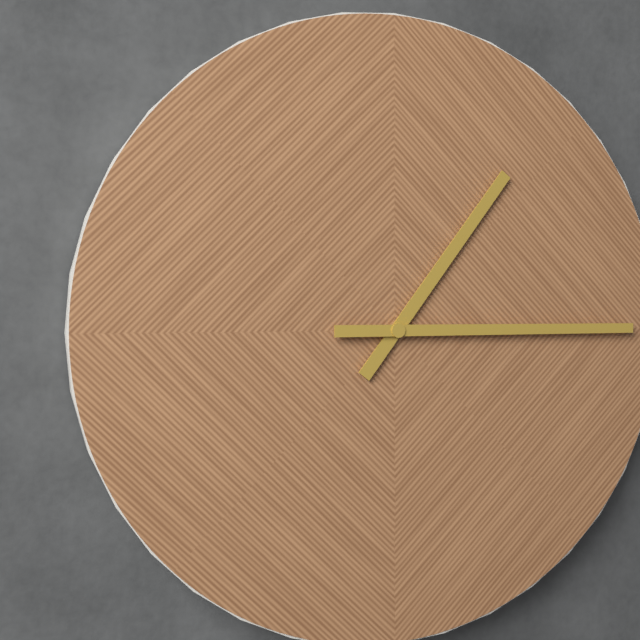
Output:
1.15
